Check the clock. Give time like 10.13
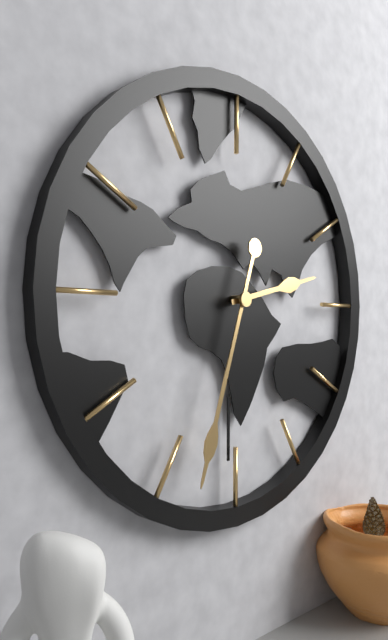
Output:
2.33
